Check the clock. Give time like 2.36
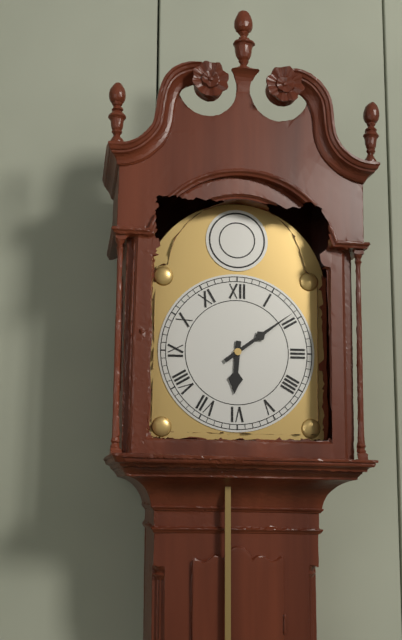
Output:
6.09
